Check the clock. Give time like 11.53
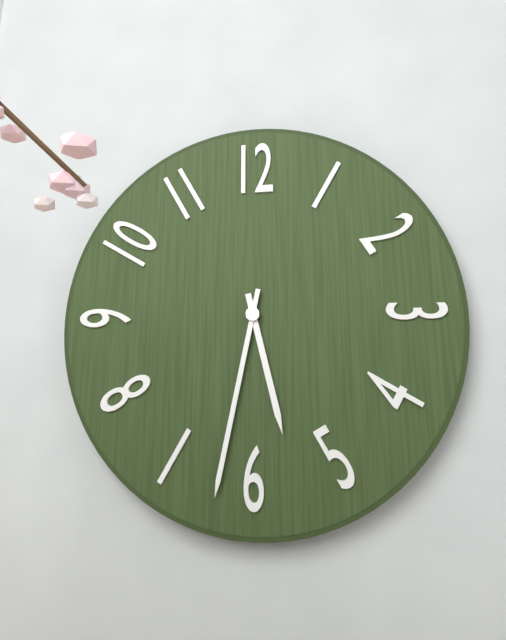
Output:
5.32
